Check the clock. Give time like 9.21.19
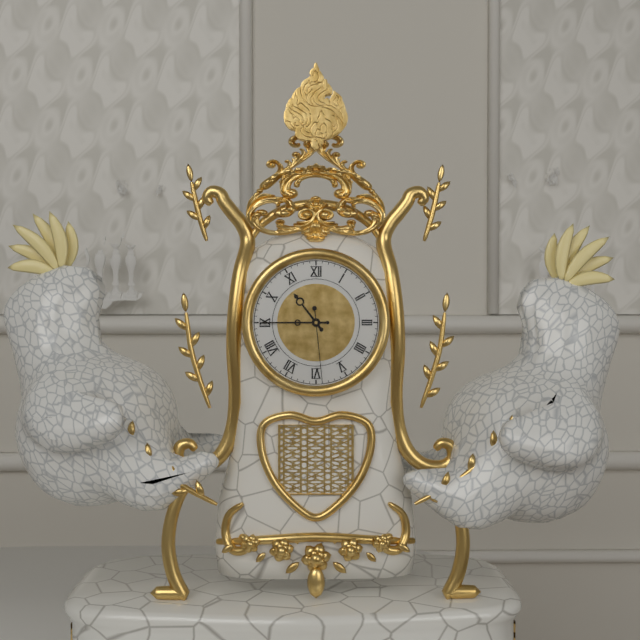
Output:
10.45.29
